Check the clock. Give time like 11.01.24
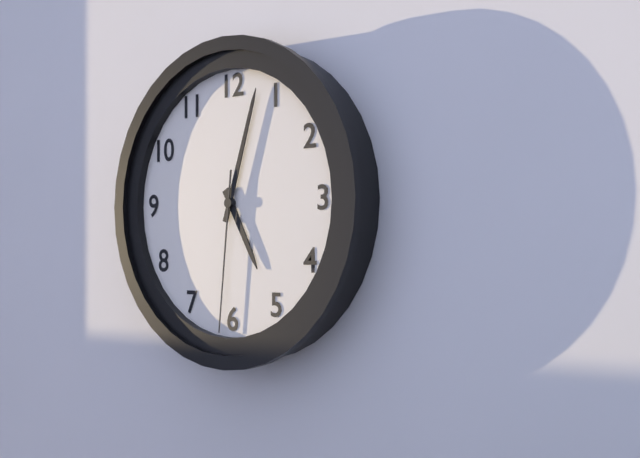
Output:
5.03.31
